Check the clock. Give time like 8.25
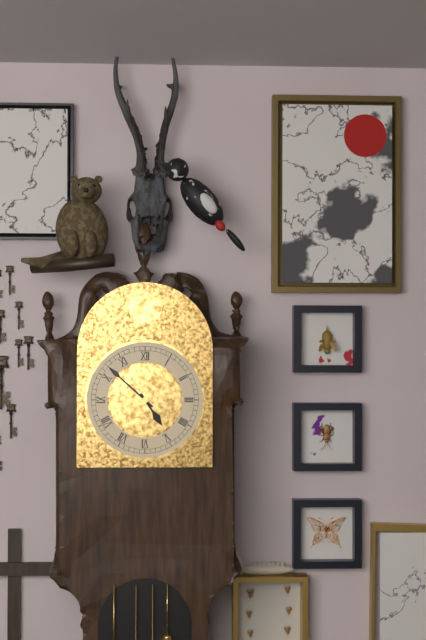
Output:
4.52
